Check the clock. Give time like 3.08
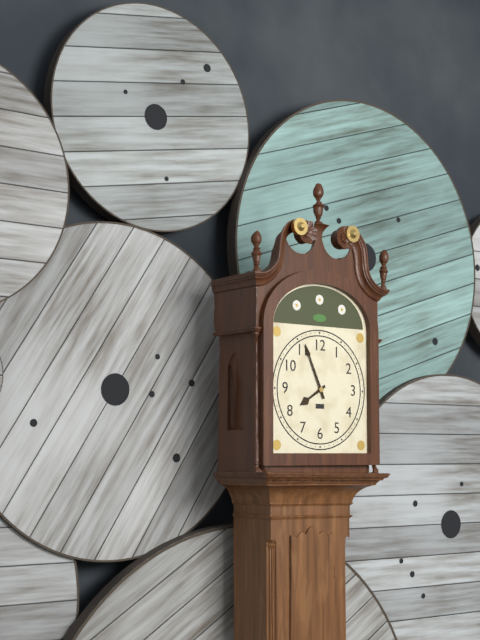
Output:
7.56
